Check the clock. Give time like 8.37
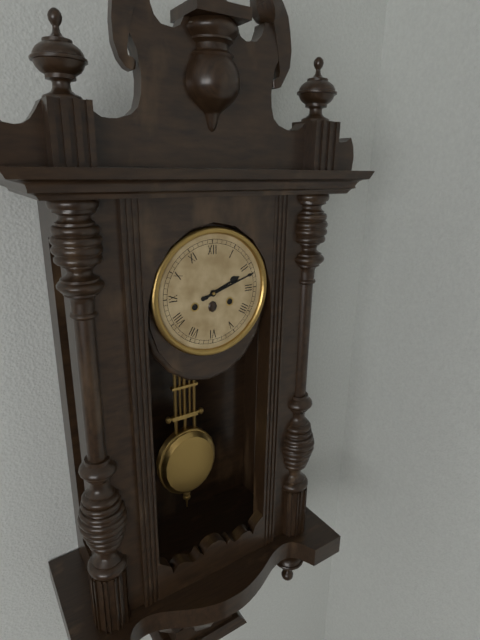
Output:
2.12
